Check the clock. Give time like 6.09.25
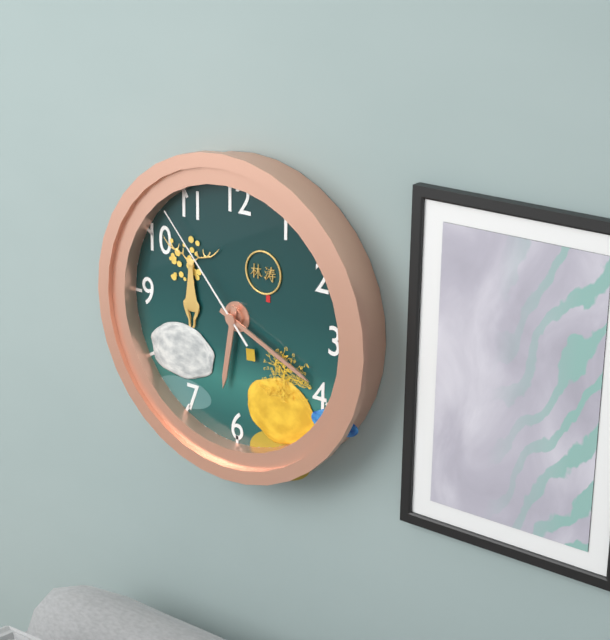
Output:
6.19.53
